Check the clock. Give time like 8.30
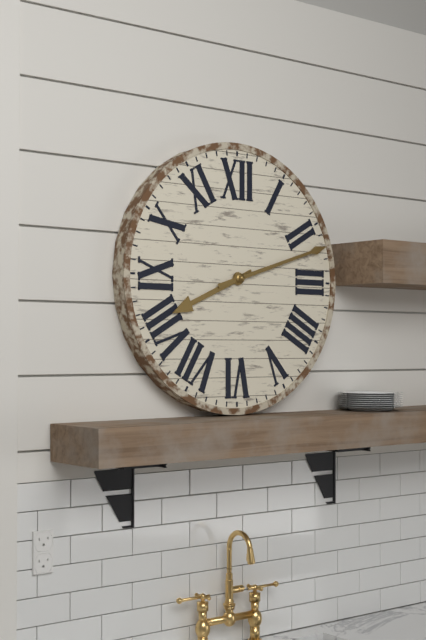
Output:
8.12
